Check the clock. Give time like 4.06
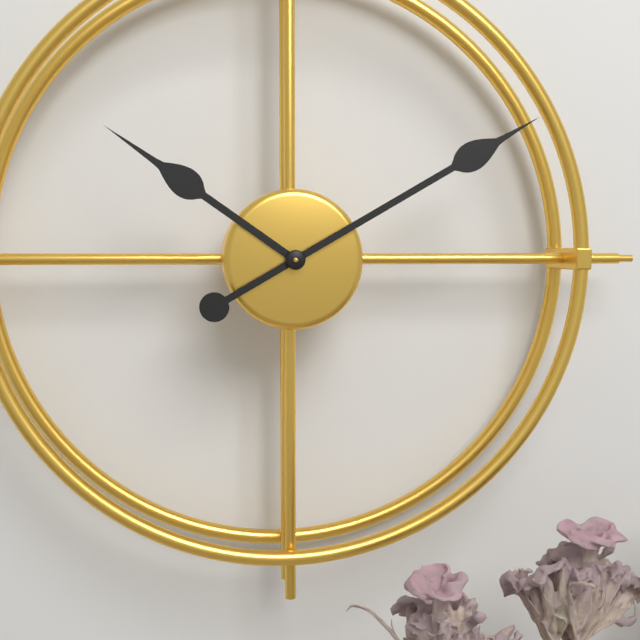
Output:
10.10
